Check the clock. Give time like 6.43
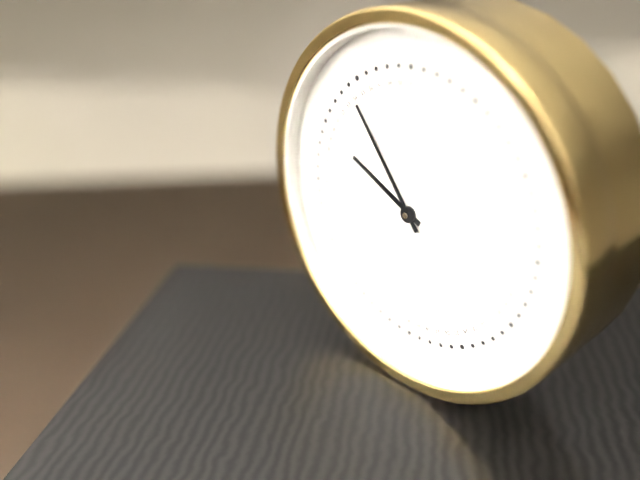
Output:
9.54
